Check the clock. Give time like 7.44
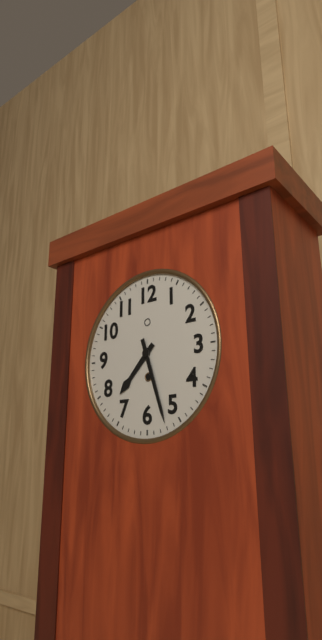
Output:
7.27
